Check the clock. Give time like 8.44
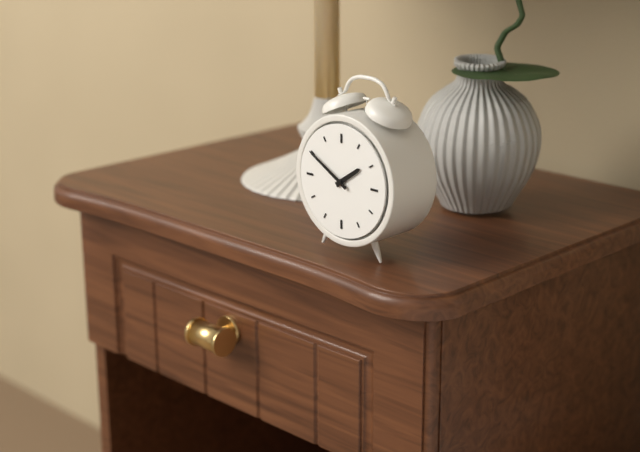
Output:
1.50
